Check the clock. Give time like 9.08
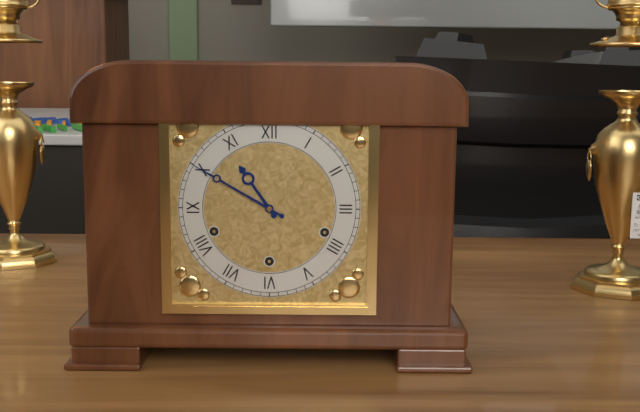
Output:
10.50
